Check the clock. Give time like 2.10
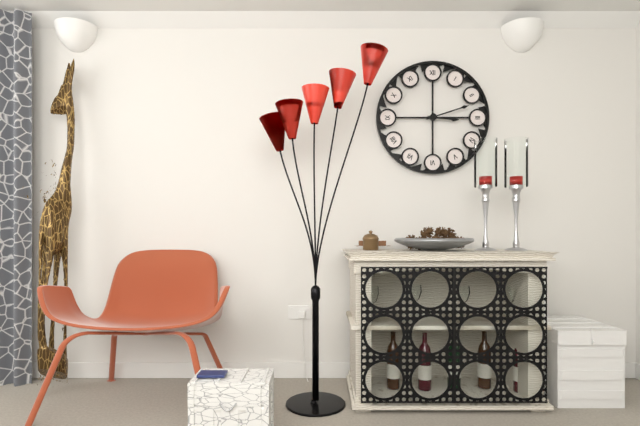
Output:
3.12
